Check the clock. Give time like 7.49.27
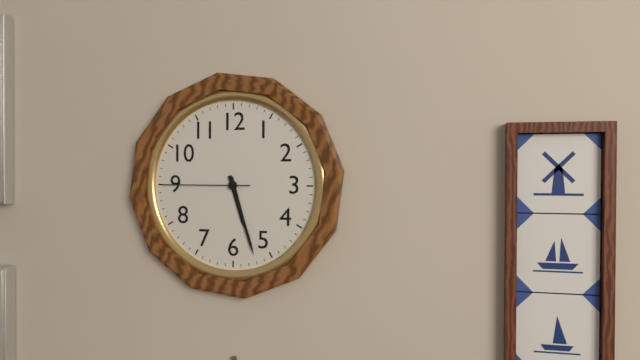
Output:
5.27.45
